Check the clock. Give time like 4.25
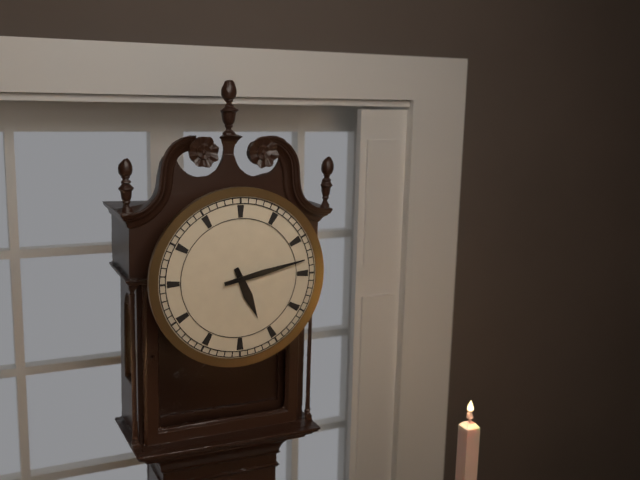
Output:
5.13
